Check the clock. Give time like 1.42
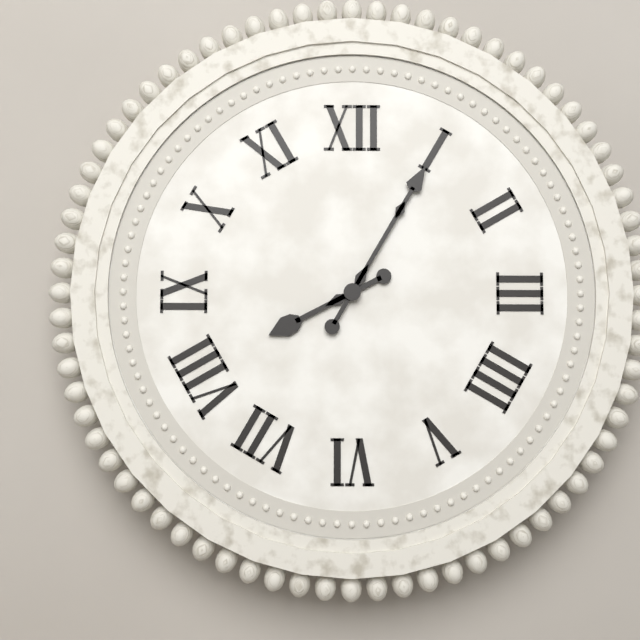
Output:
8.05
